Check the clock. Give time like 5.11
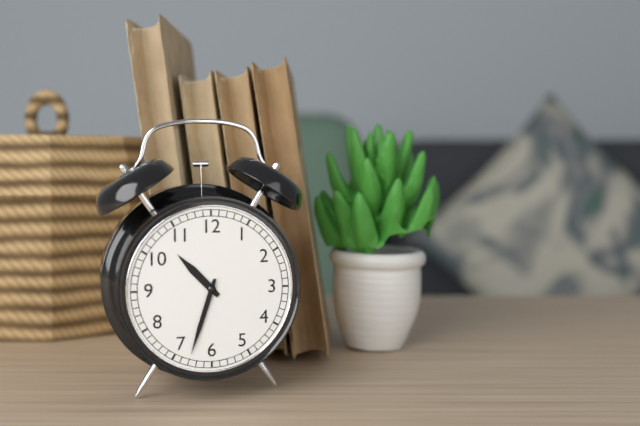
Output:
10.33
